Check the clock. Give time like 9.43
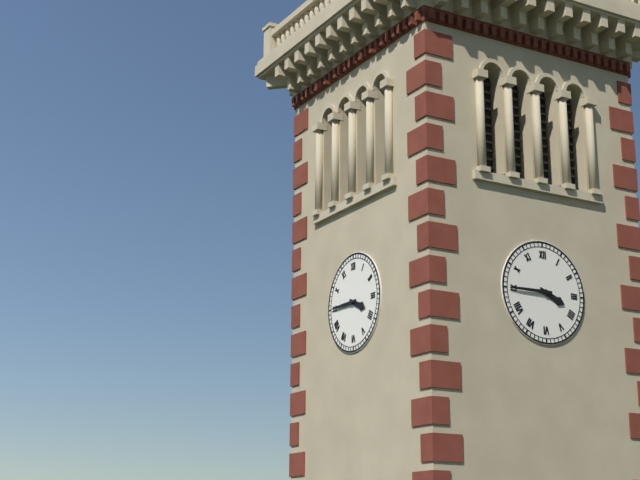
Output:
3.45
